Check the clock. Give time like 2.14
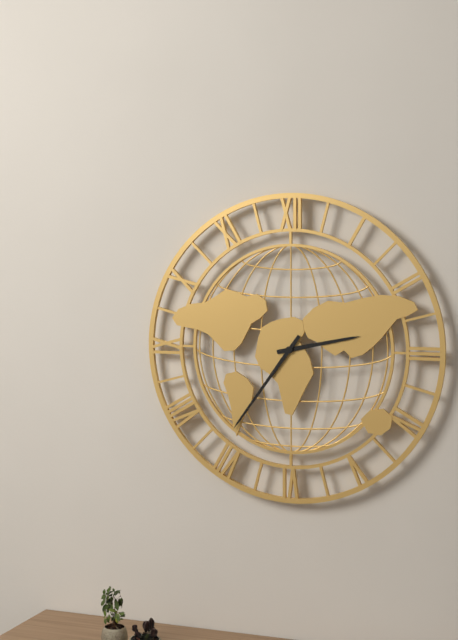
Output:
2.36
